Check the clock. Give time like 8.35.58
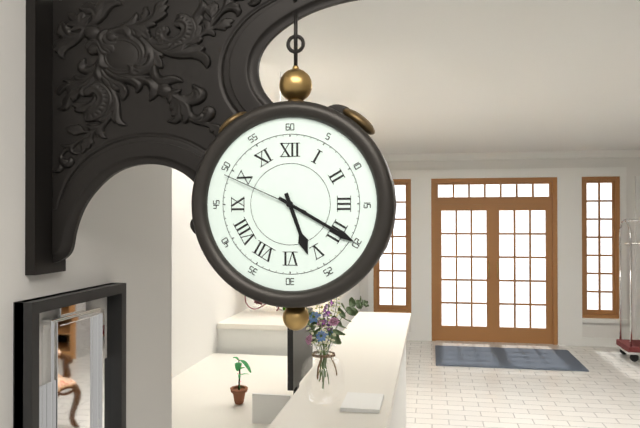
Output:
5.20.49
